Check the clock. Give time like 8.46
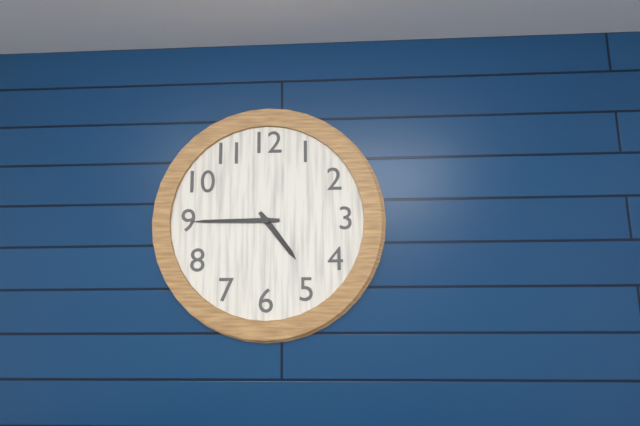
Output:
4.45
